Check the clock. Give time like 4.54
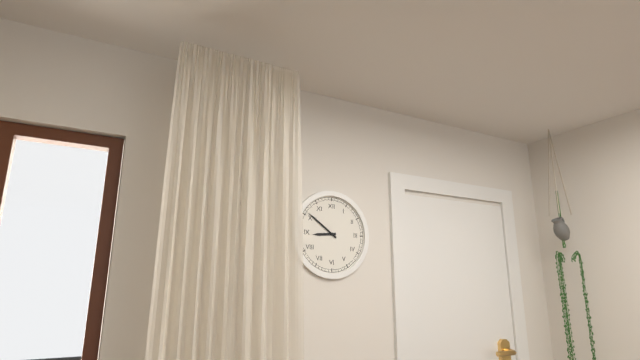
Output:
8.51
